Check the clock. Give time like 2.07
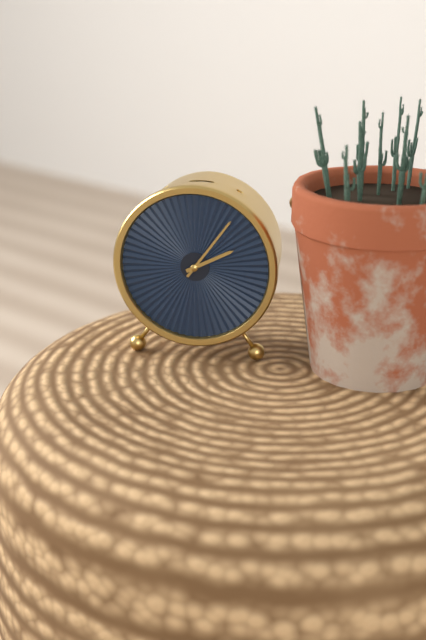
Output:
2.06
